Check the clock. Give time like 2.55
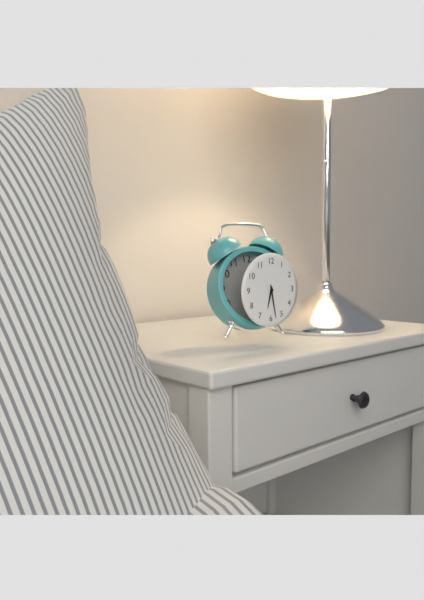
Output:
6.28
